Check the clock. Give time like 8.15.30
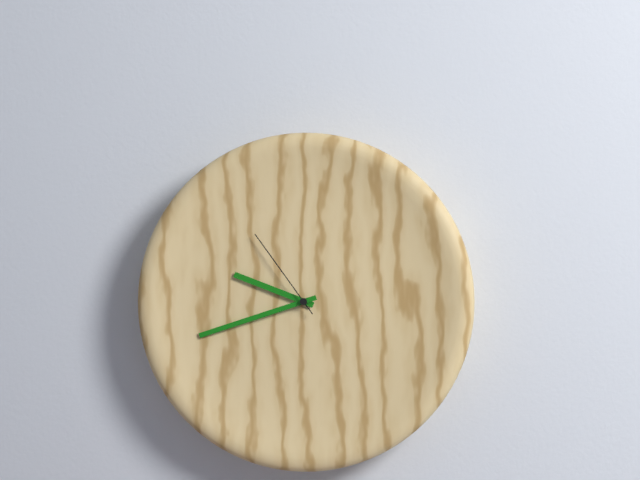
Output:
9.42.54
